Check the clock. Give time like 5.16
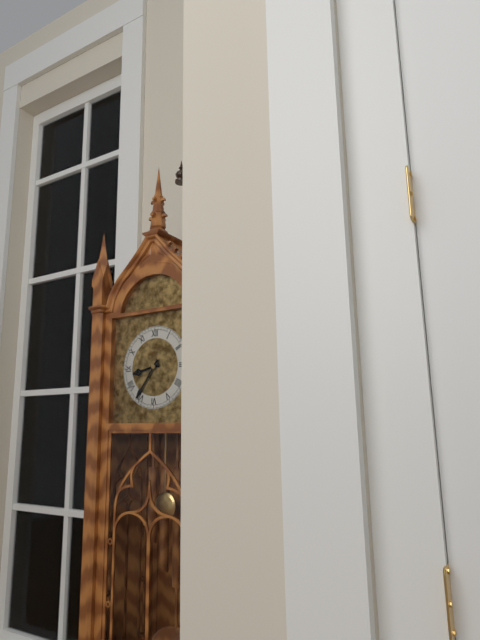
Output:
8.36
